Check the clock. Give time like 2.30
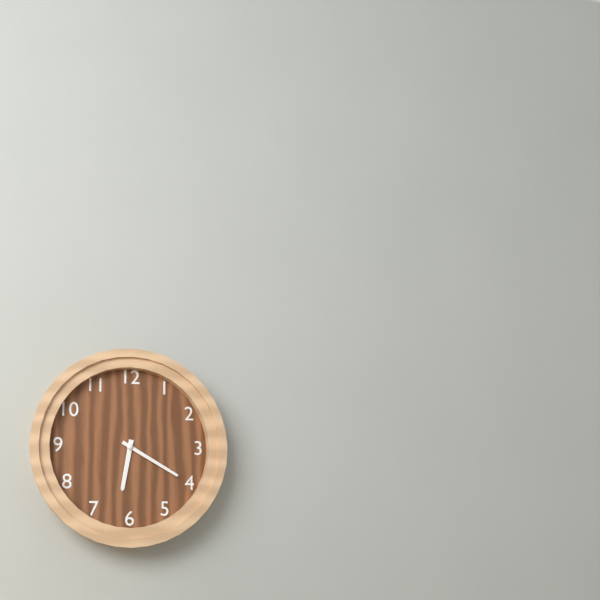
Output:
6.20
